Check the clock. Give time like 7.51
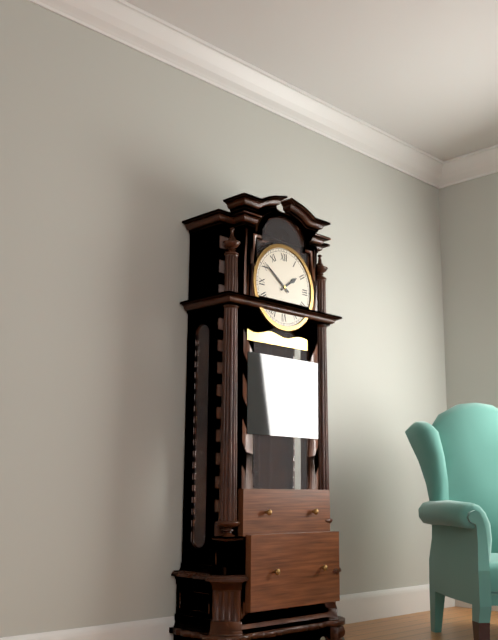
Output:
1.51
